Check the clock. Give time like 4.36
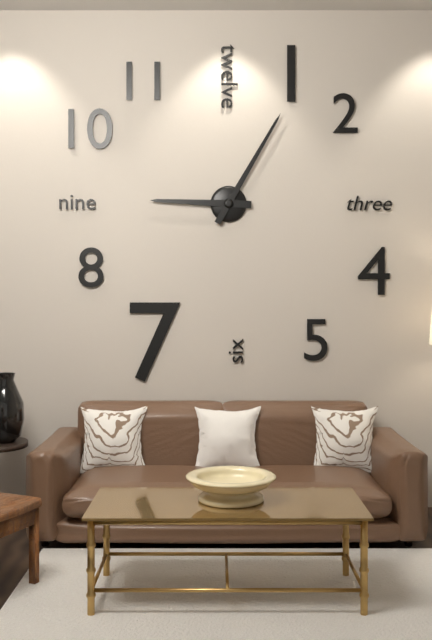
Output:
9.05
